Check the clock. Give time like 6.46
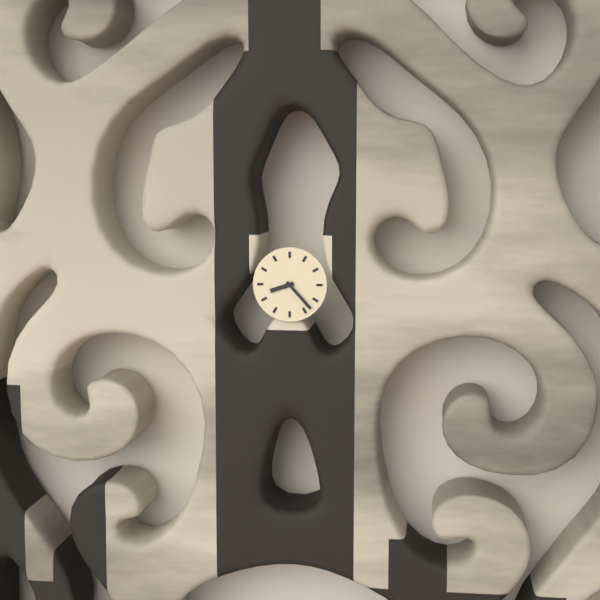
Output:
8.23
